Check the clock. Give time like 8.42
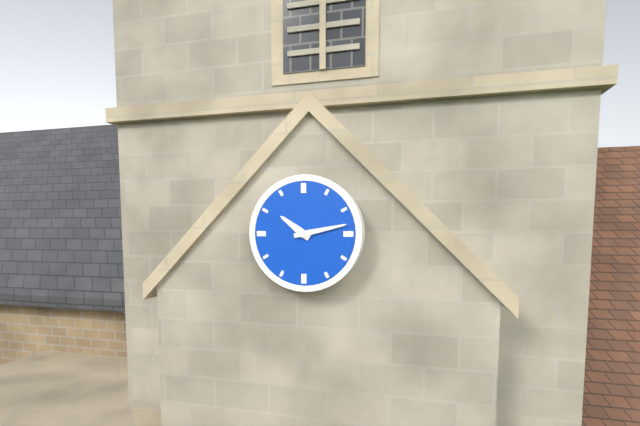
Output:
10.13
